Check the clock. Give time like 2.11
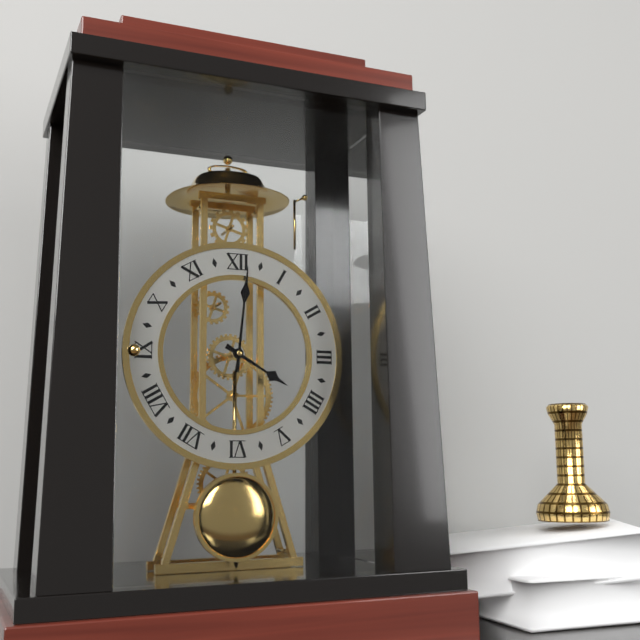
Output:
4.01
